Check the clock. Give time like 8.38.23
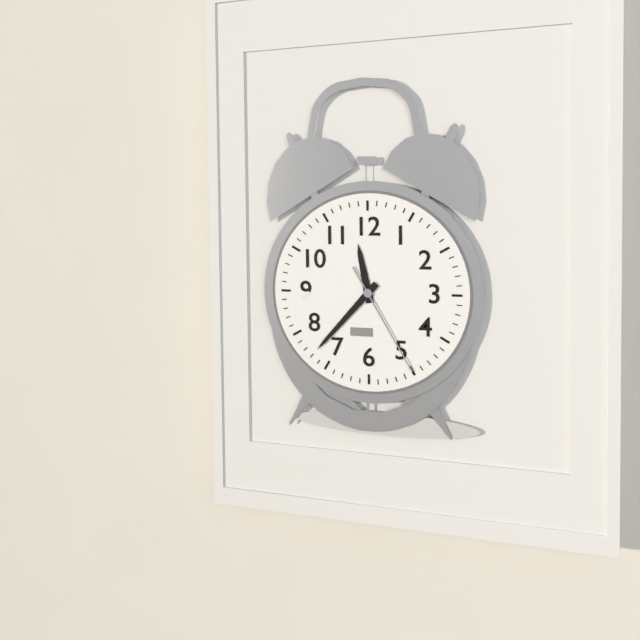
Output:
11.37.25
